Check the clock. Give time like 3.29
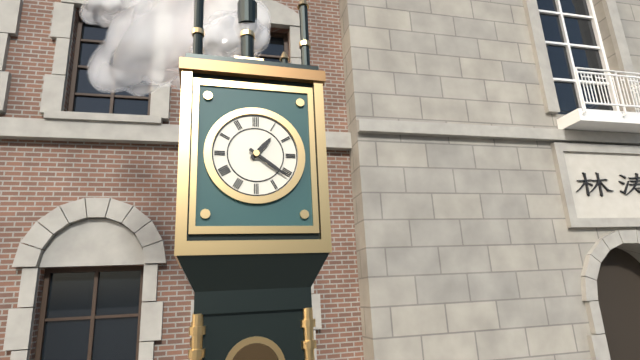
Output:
1.21
